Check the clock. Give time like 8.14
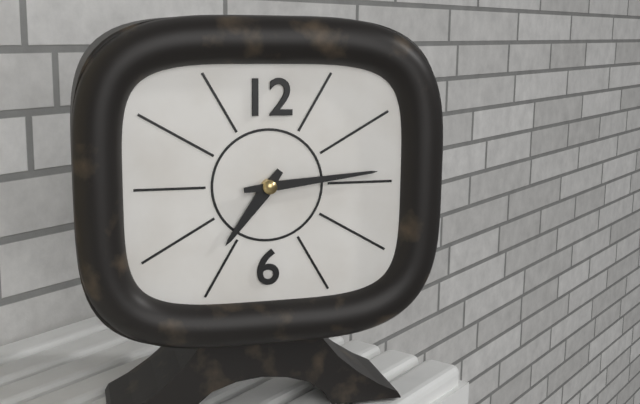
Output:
7.14
